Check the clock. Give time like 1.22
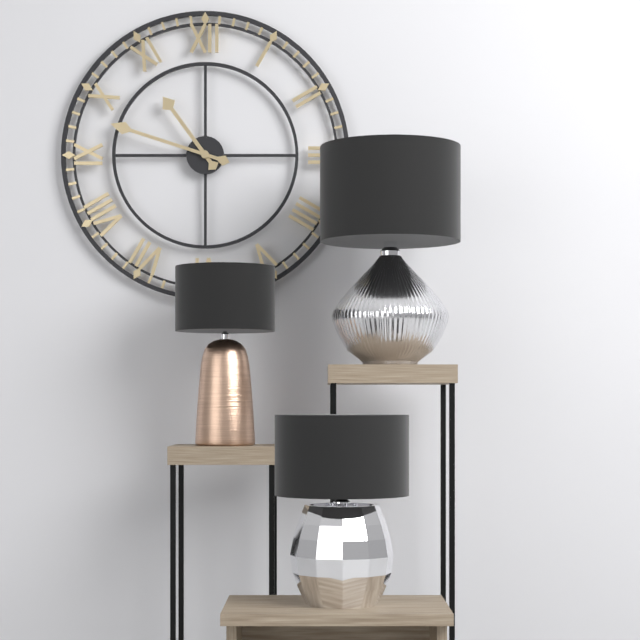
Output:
10.48
